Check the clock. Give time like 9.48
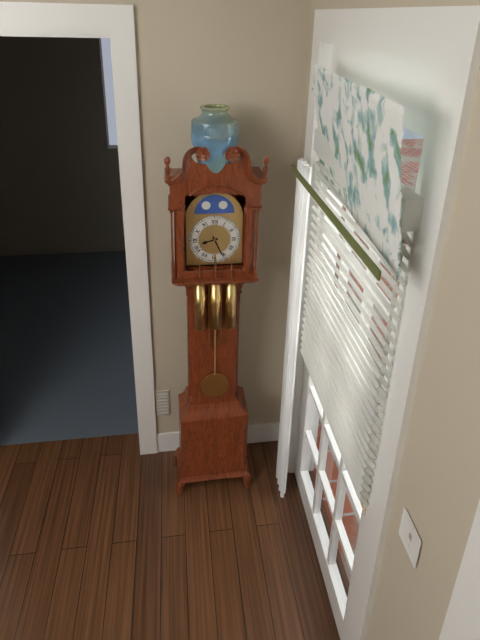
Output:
8.26
